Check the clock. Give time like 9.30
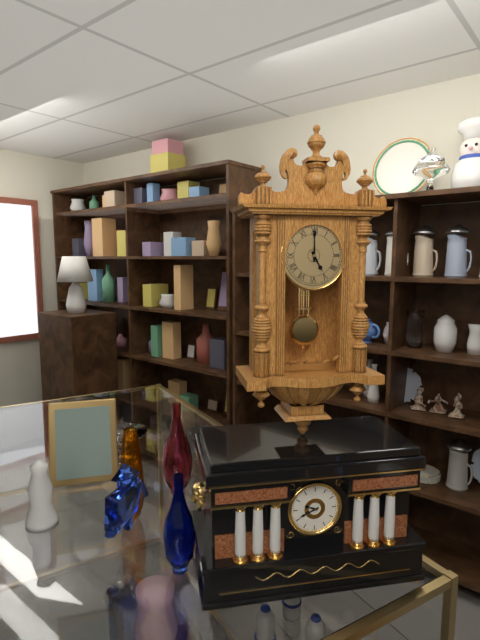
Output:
5.00
